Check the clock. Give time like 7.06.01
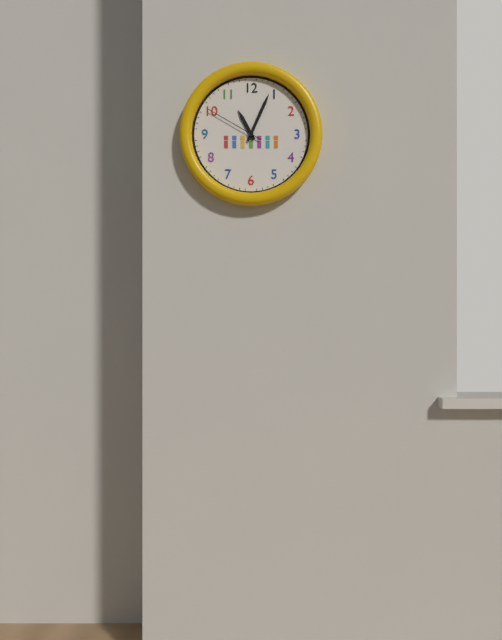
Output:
11.04.50
